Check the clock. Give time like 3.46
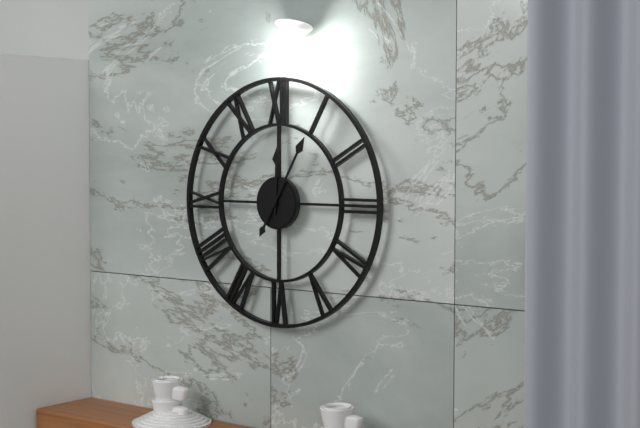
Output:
12.05
